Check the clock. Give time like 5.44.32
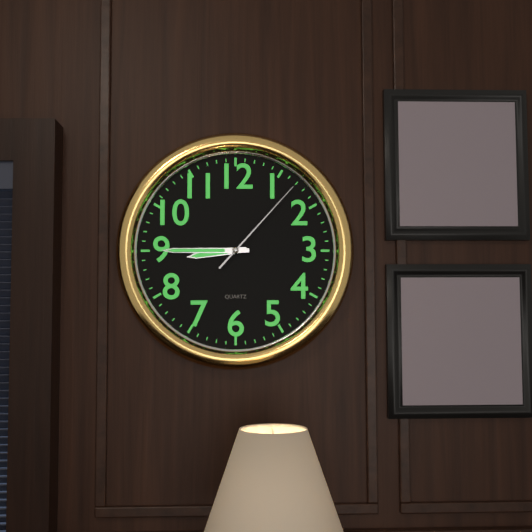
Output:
8.45.07
